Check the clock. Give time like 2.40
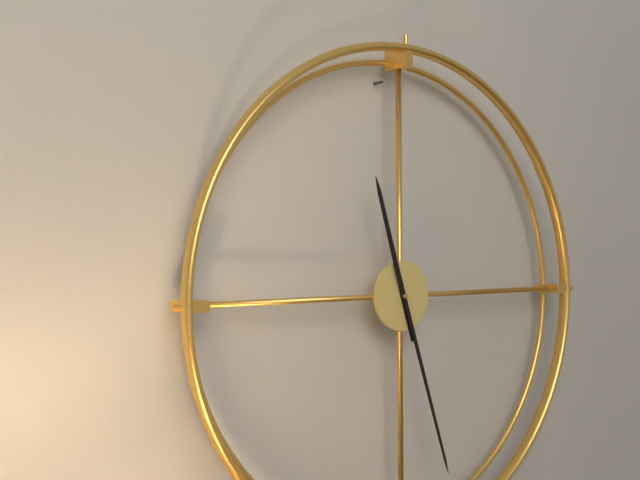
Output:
11.27
